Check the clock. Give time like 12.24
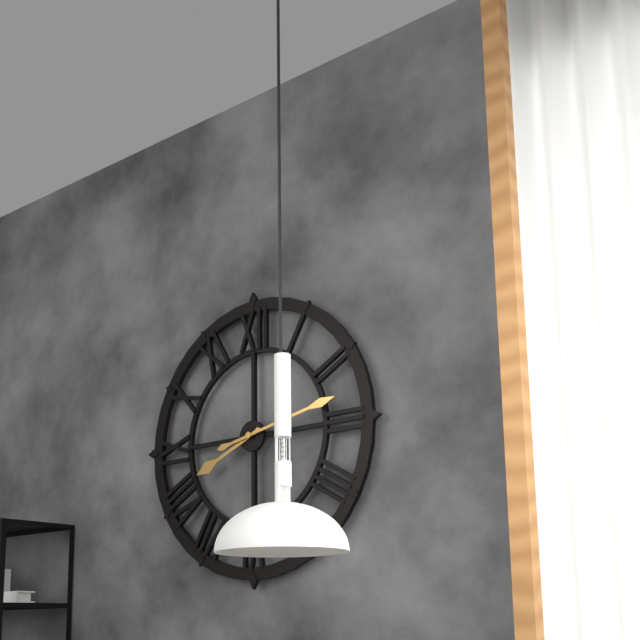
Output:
8.13
